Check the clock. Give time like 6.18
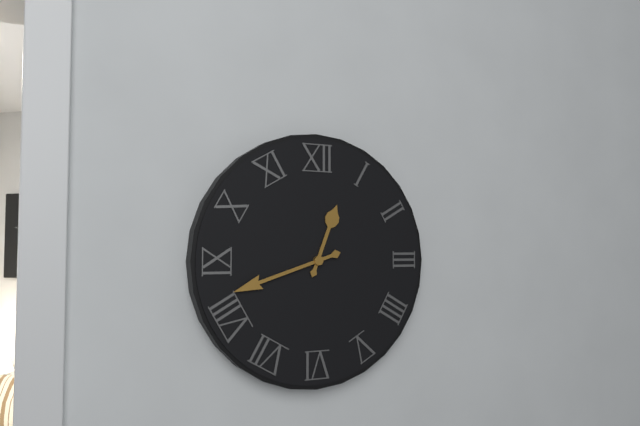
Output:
12.42
